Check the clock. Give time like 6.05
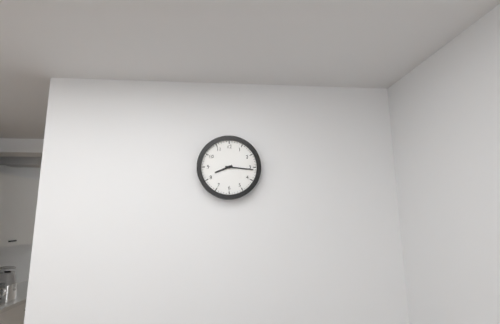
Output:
8.16
